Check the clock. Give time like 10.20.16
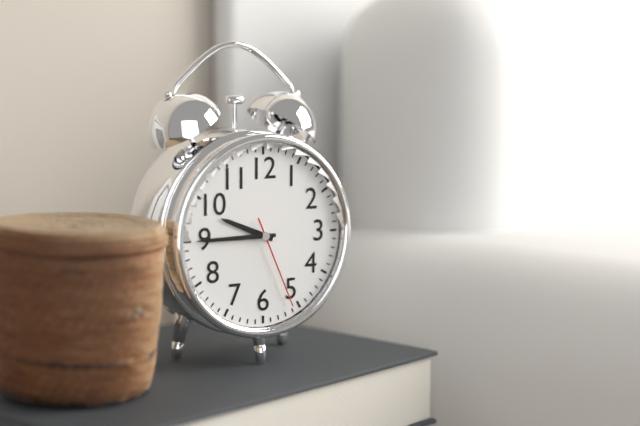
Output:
9.45.26
